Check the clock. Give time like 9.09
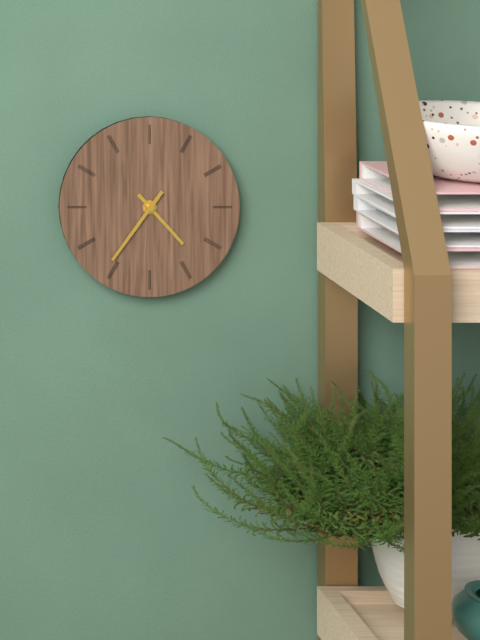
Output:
4.36
